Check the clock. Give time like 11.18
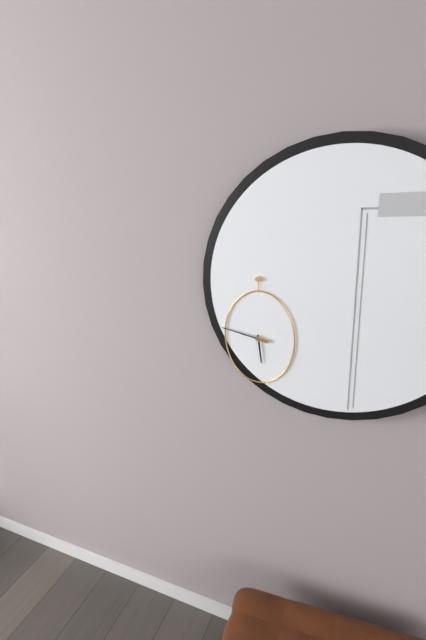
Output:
5.47
